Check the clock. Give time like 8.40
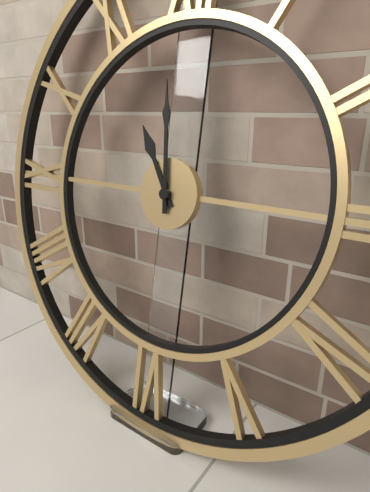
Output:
10.59
